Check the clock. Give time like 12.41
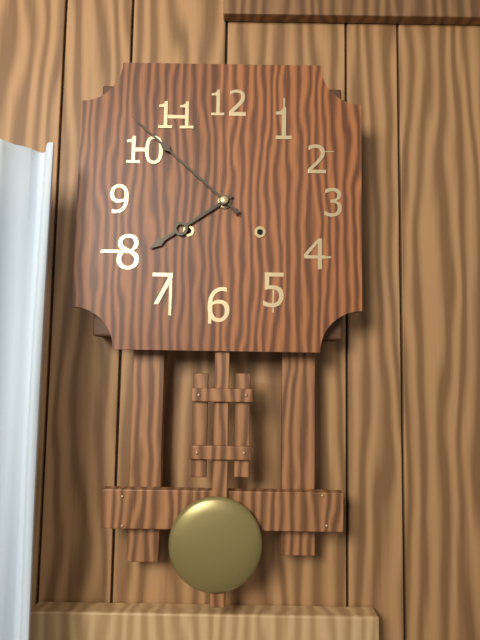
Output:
7.52
